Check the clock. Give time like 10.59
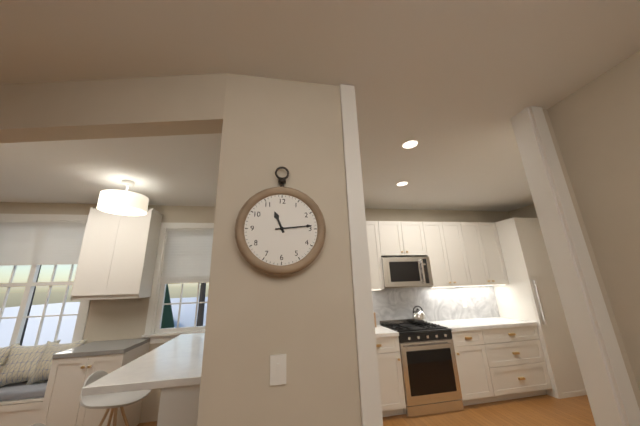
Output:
11.14
